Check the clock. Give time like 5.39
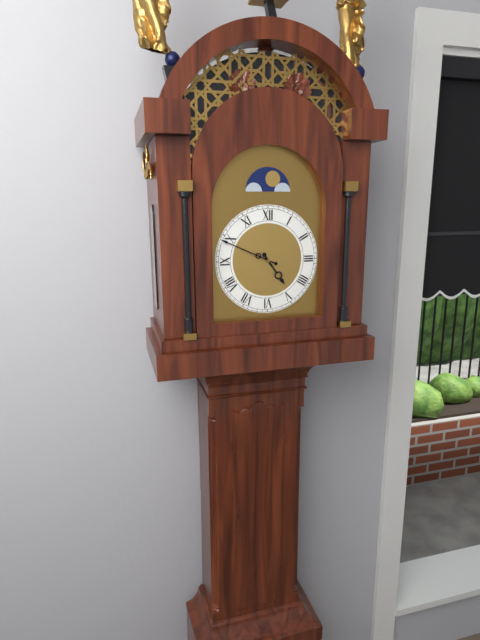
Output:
4.49
